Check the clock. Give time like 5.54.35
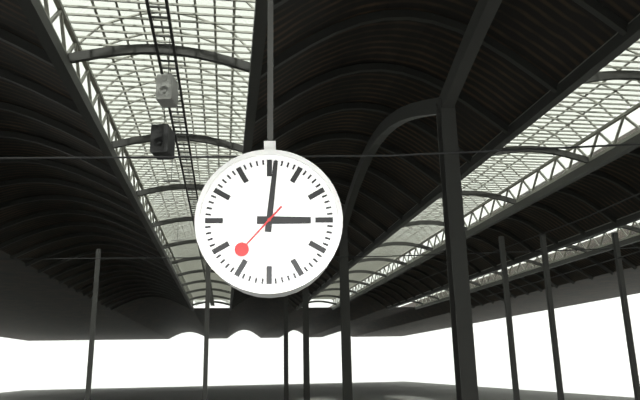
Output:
3.01.37
